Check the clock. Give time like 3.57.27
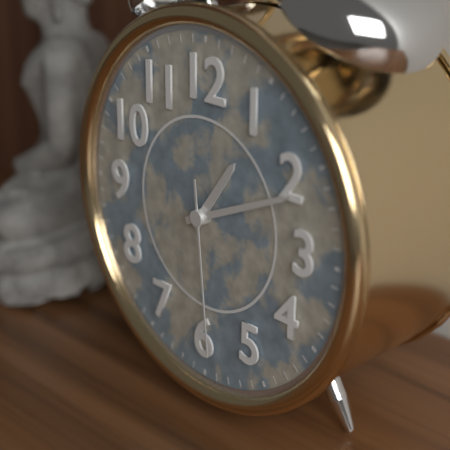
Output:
1.11.29
